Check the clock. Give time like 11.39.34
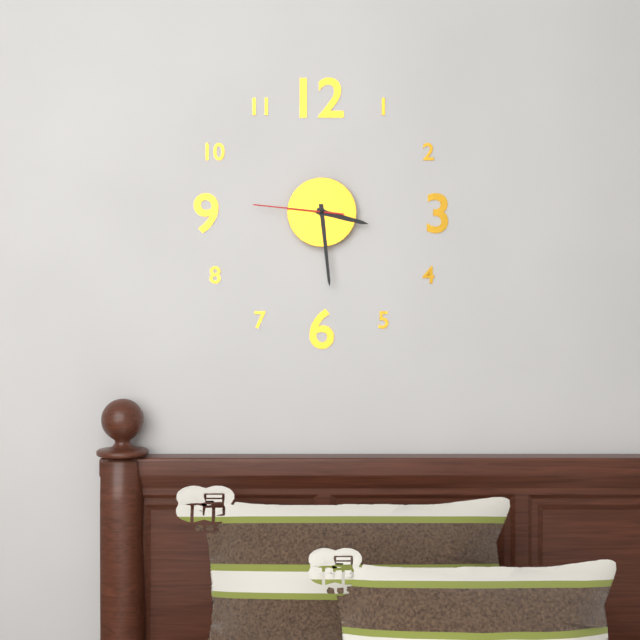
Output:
3.29.46
